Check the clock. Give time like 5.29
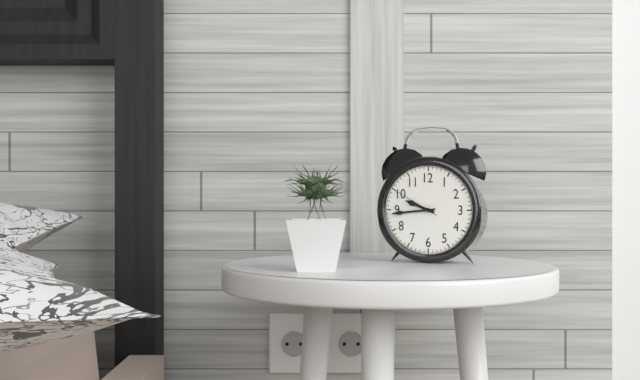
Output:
9.44
